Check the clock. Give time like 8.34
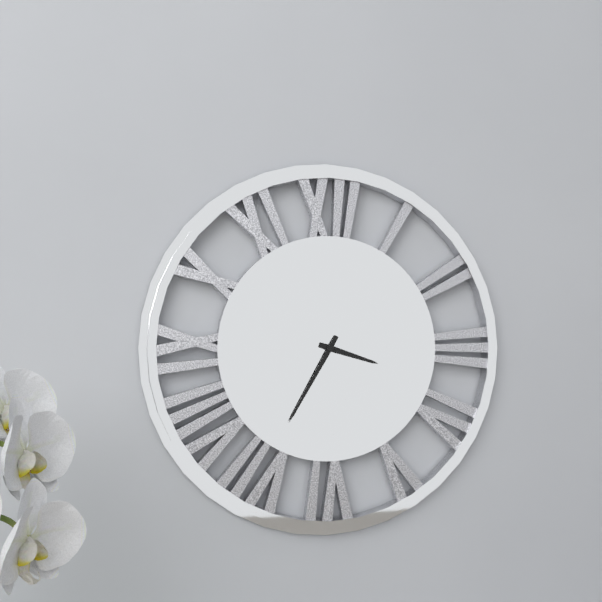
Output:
3.35
